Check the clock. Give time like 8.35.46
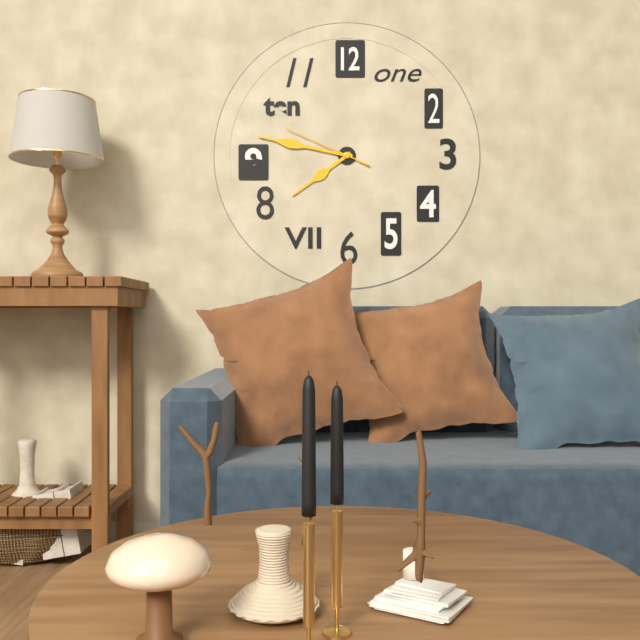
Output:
7.47.49
